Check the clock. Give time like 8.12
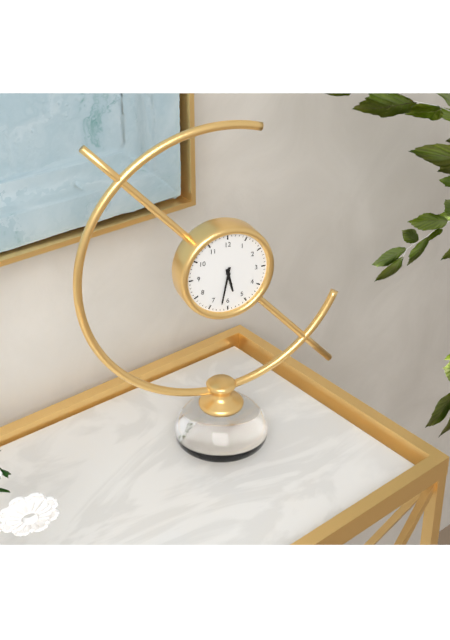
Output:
5.32
